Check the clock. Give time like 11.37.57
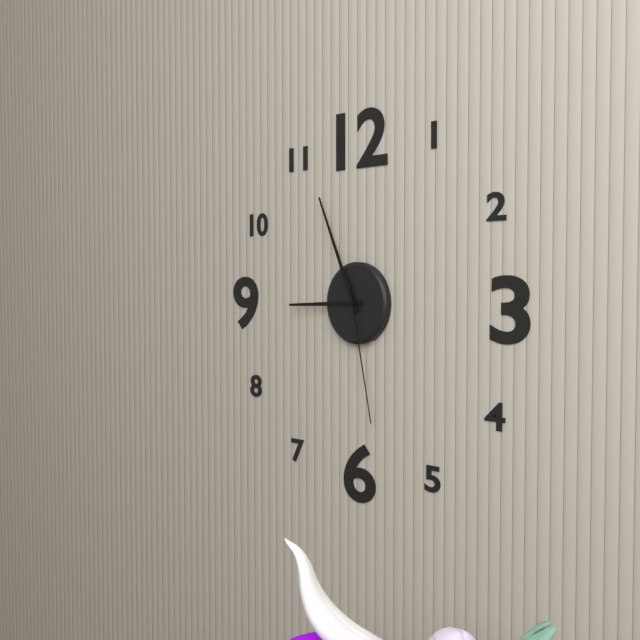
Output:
8.56.28
